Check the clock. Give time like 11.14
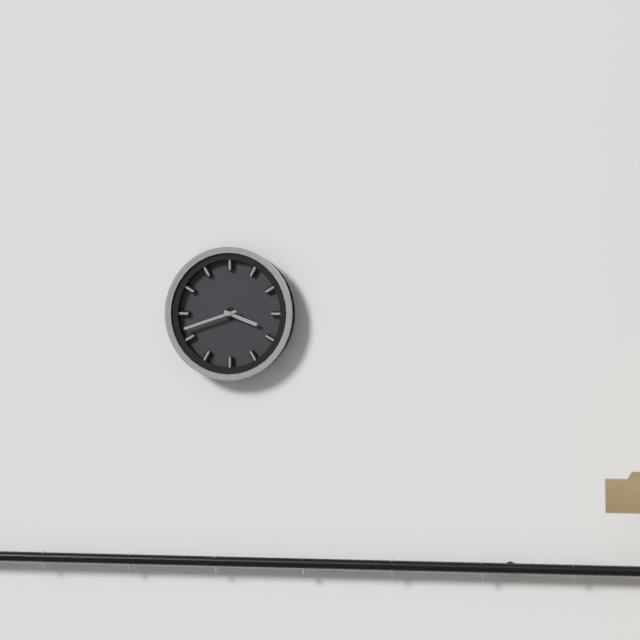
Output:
3.42
